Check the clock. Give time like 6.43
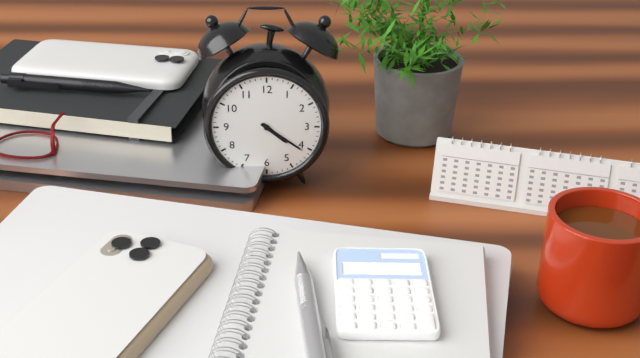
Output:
4.21
